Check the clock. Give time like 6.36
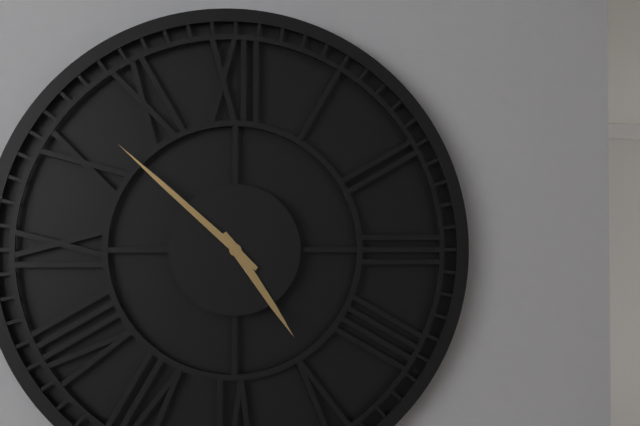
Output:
4.52
